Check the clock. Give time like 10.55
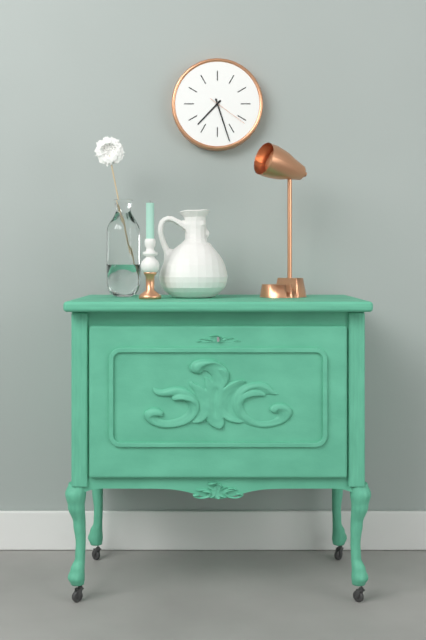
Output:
7.27
